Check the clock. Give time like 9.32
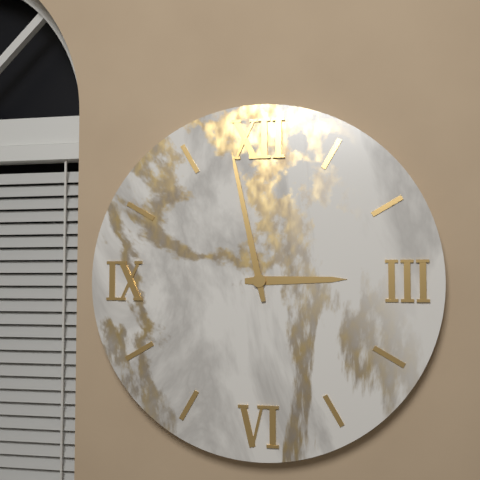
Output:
2.58
